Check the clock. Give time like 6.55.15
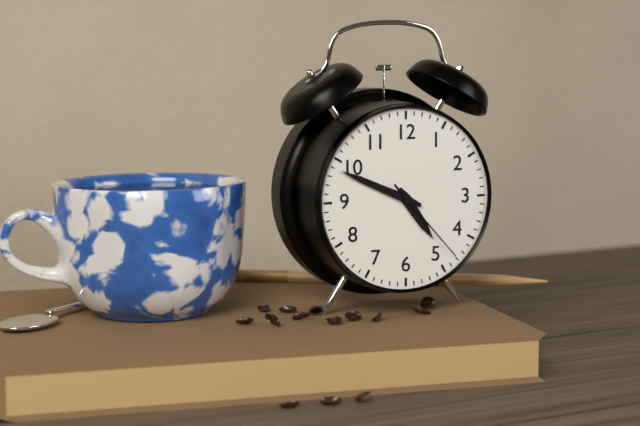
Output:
4.49.23
